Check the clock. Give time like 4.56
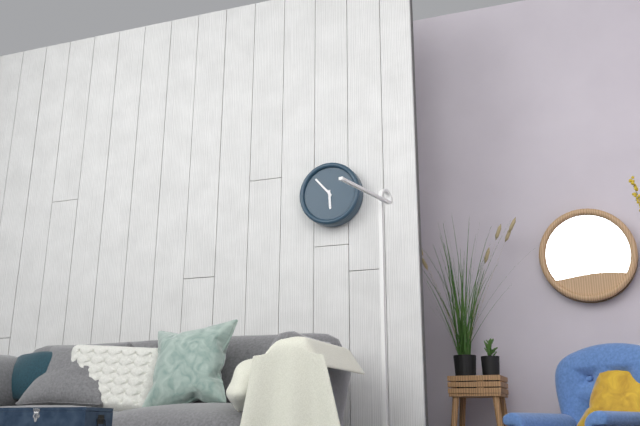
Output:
5.53
